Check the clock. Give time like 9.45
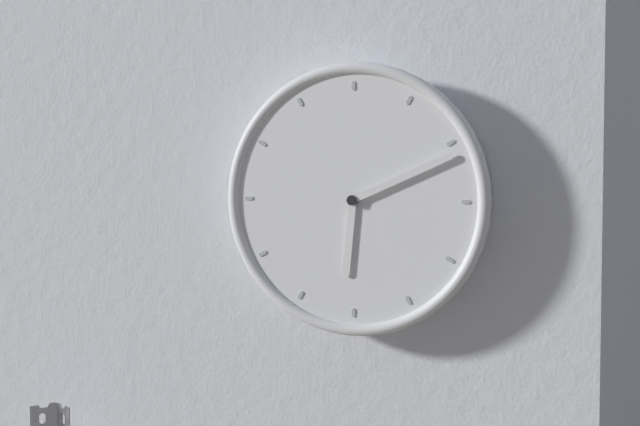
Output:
6.11
